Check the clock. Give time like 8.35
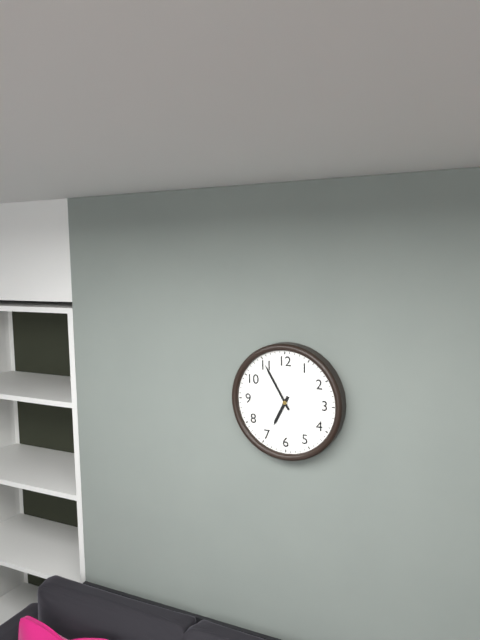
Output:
6.55
